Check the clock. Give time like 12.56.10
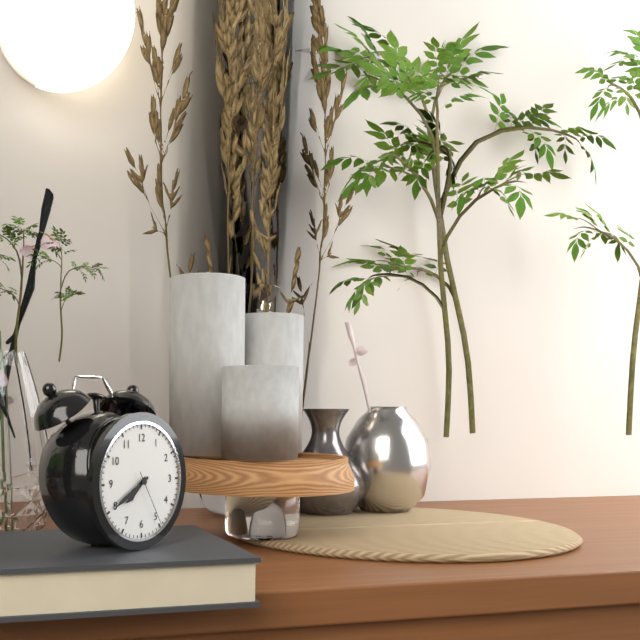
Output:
7.40.25
